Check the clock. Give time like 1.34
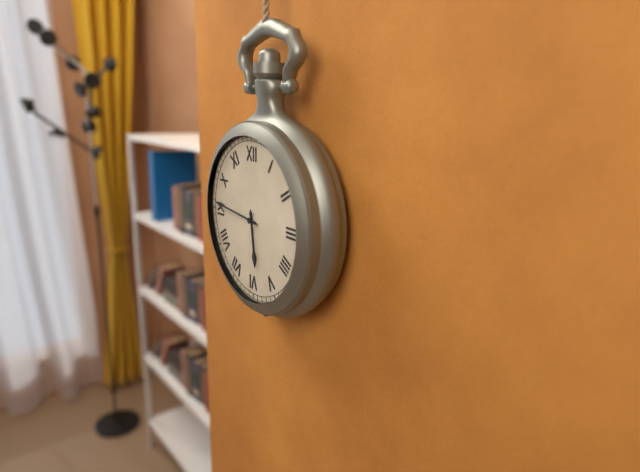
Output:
5.46
